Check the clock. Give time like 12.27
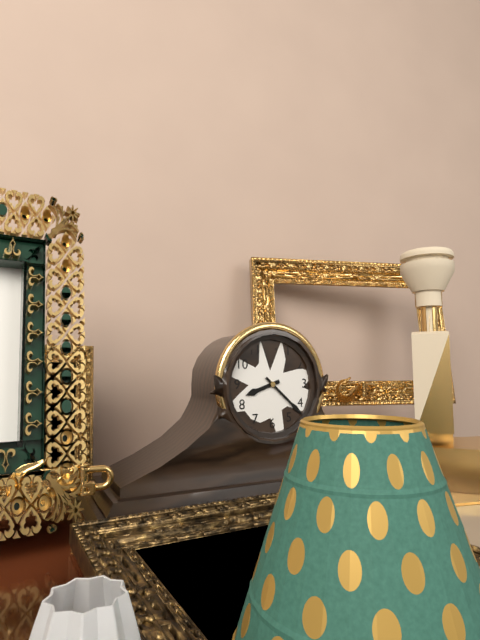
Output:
8.22
